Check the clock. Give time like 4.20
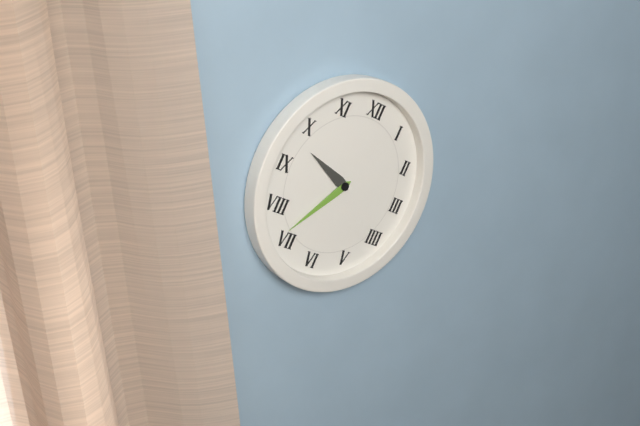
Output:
9.36
